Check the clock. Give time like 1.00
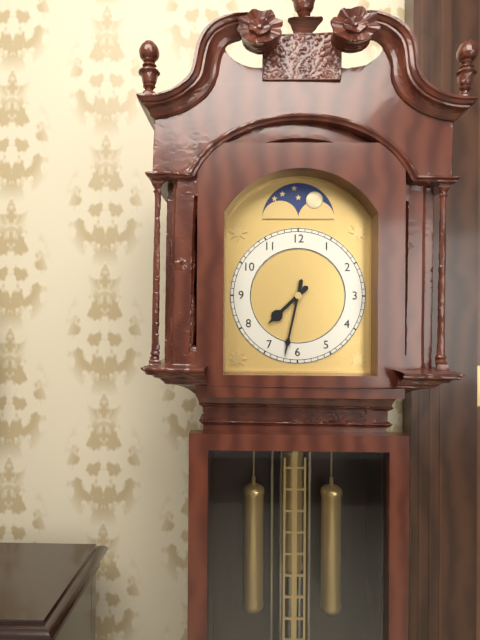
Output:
7.32
